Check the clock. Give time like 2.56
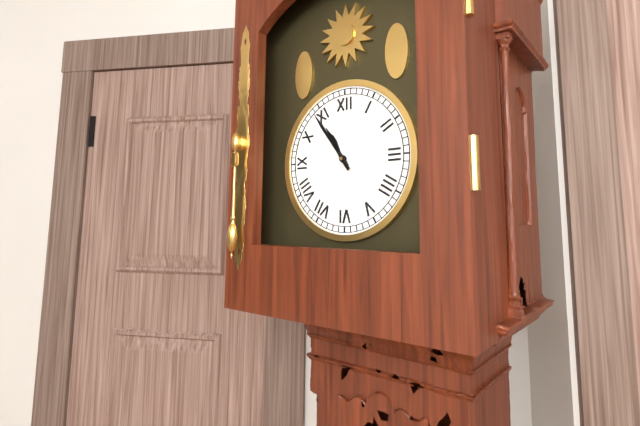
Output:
10.54
